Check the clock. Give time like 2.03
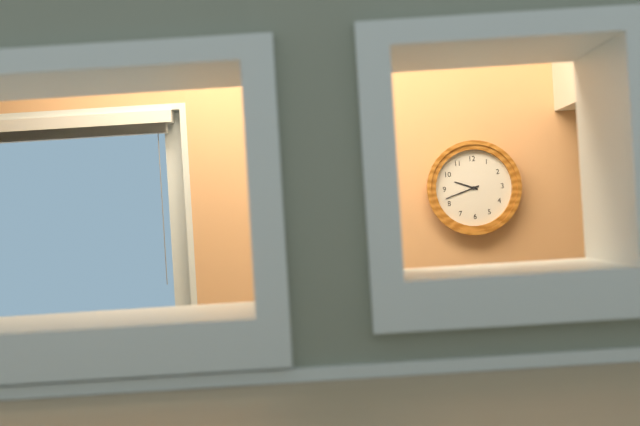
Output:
9.42
